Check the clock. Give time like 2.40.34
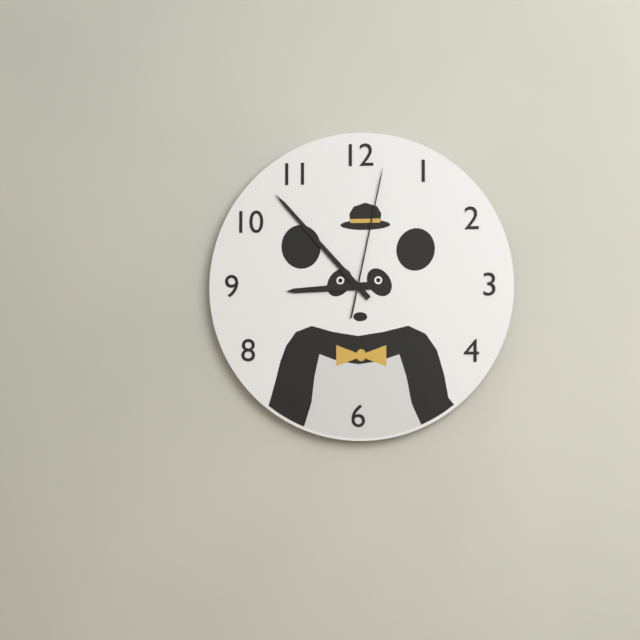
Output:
8.53.02
